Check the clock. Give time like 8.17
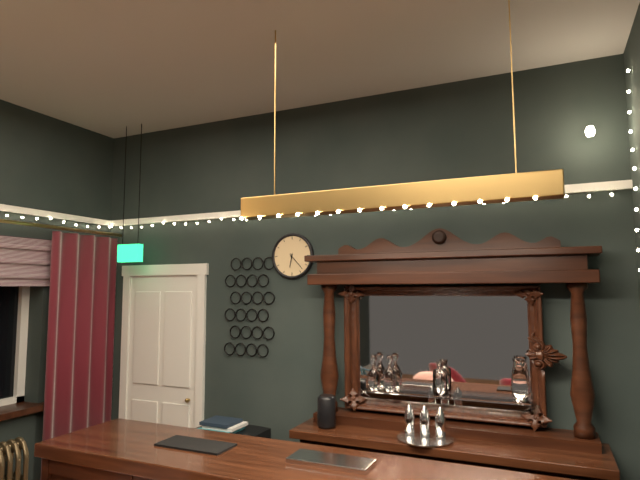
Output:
6.23
